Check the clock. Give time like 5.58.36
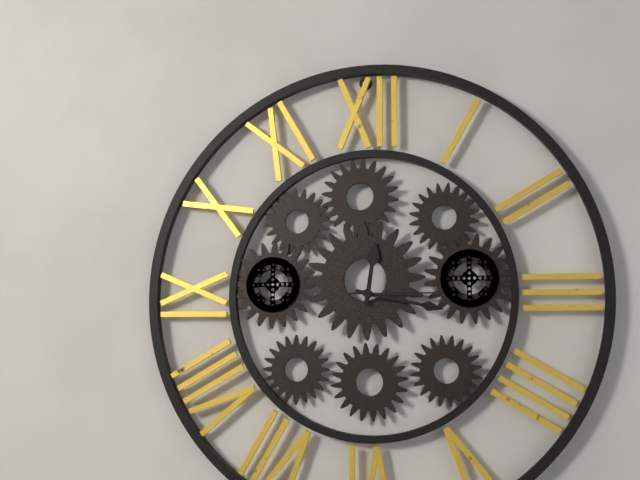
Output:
12.17.15
